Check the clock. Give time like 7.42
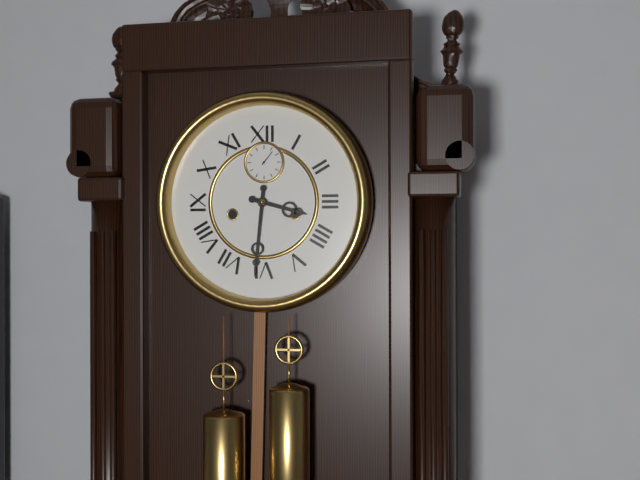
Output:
3.31
